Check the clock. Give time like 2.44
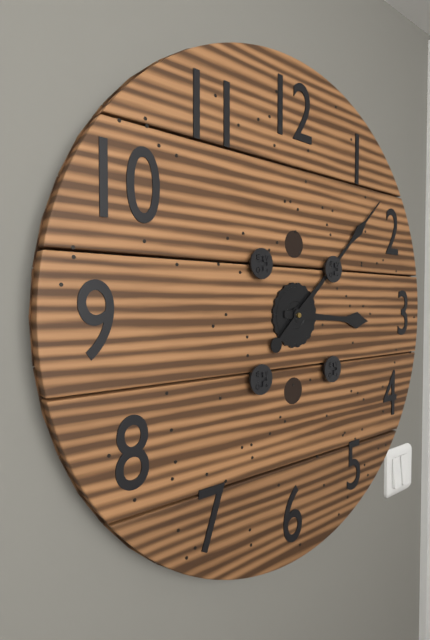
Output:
3.08
